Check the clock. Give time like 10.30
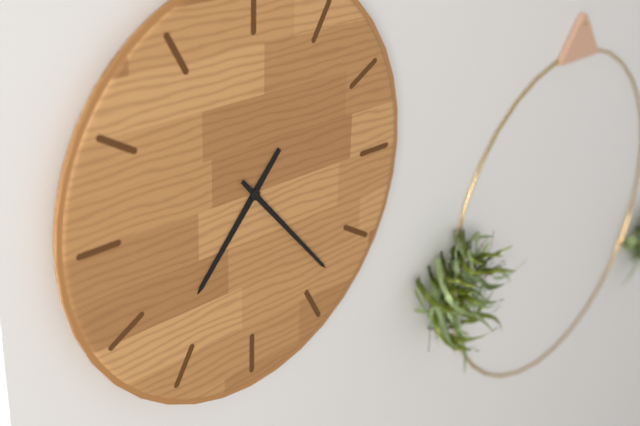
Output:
7.23
